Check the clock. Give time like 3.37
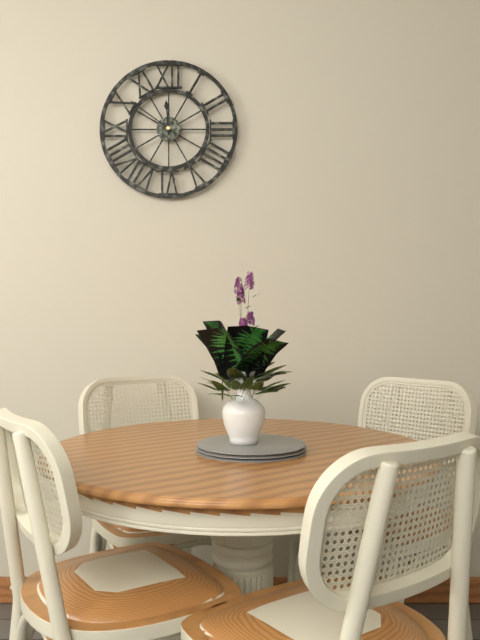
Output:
11.51
